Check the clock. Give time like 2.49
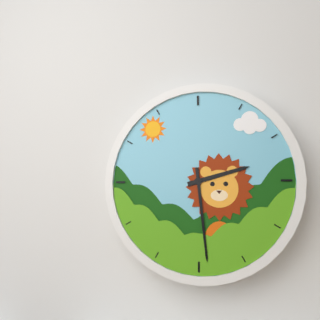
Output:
2.29
